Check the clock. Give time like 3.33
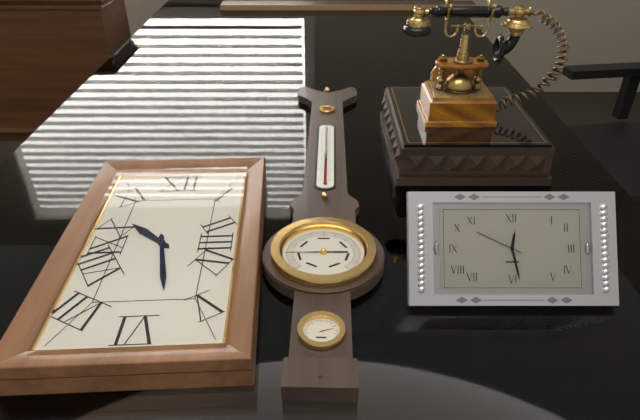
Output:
10.28
